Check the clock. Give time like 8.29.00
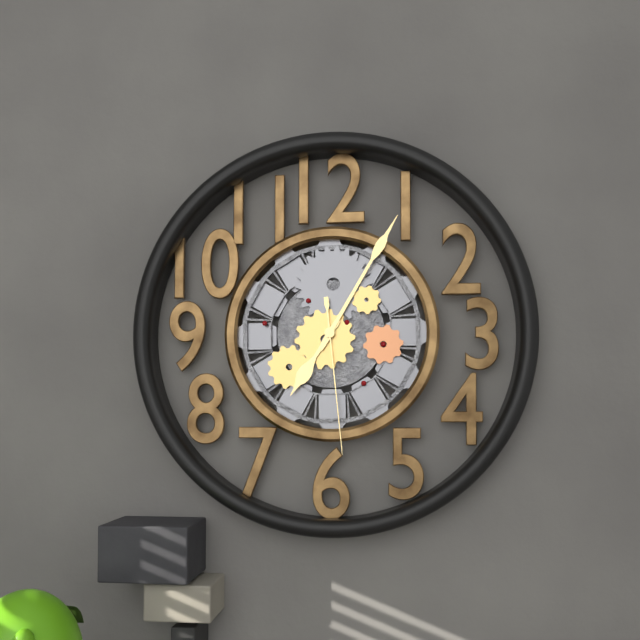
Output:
7.05.29
